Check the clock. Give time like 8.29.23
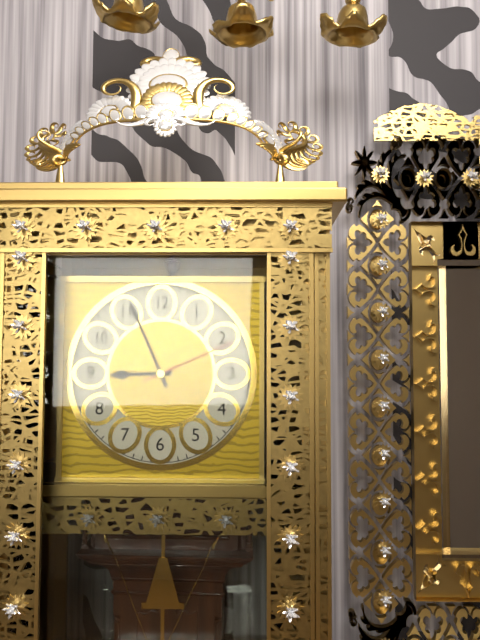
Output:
8.56.11
